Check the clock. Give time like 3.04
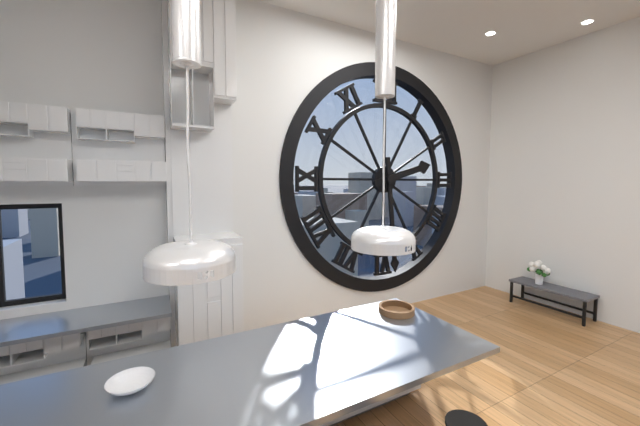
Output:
2.29
